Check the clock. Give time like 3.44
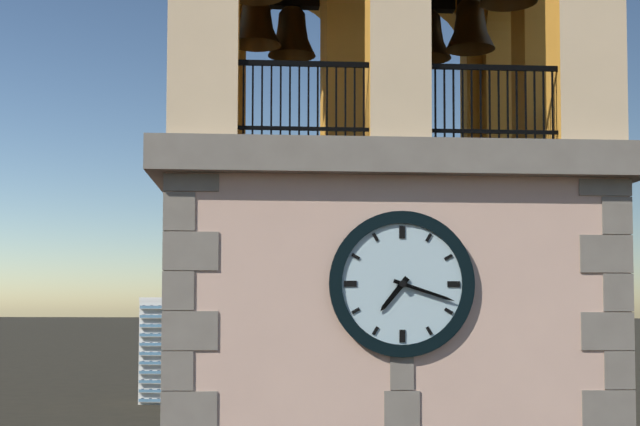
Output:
7.18
